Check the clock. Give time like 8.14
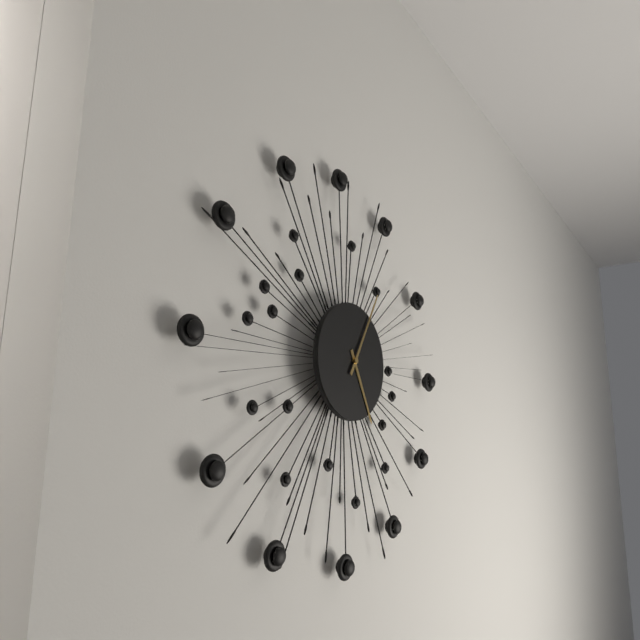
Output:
5.05
